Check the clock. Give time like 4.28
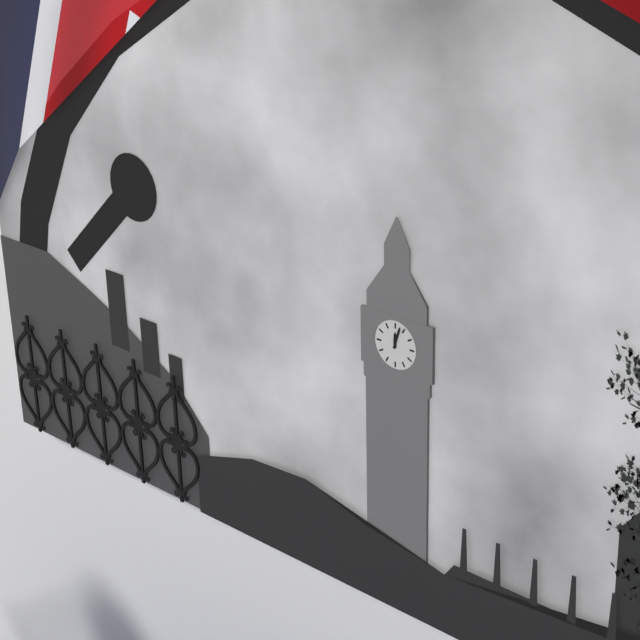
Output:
12.03
